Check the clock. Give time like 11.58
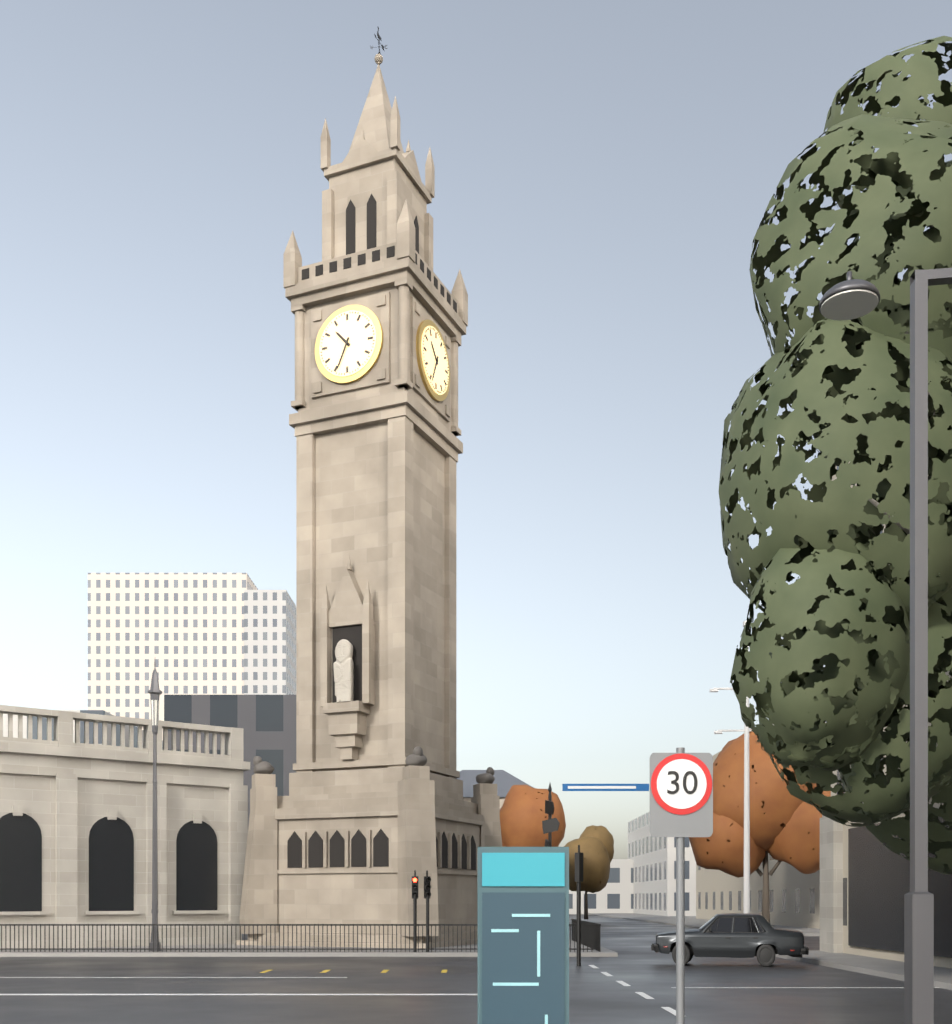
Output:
10.34
